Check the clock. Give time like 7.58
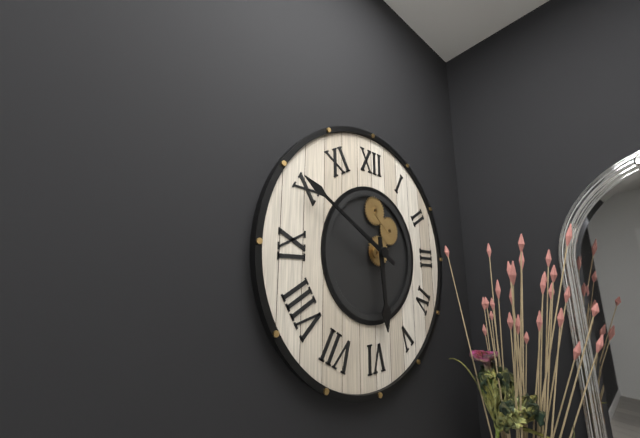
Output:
5.50
